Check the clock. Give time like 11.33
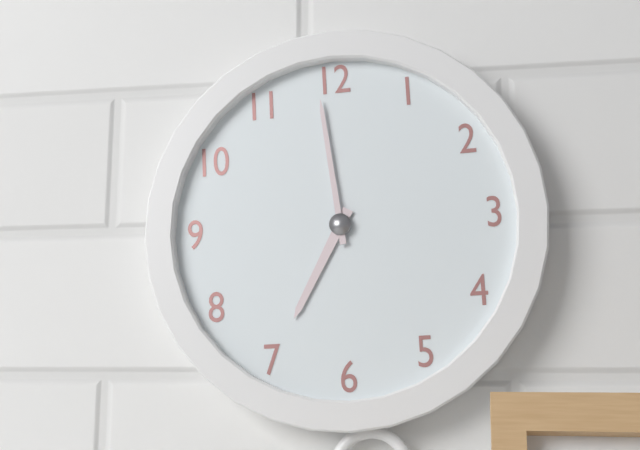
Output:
6.59
